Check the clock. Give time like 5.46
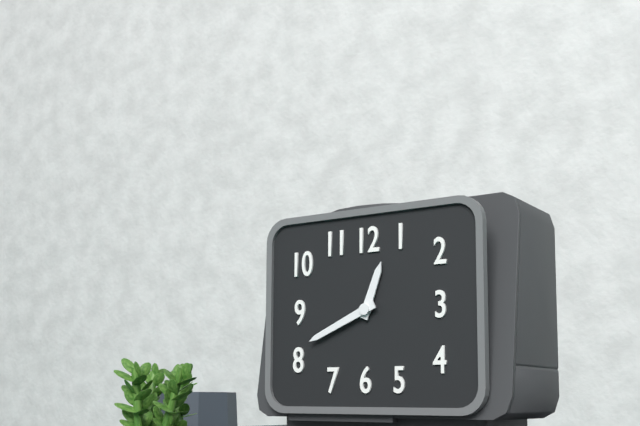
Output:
12.41
